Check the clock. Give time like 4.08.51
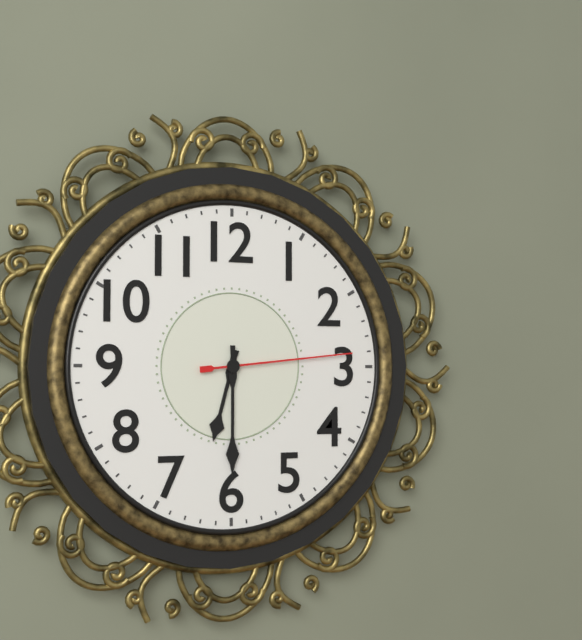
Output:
6.30.14
